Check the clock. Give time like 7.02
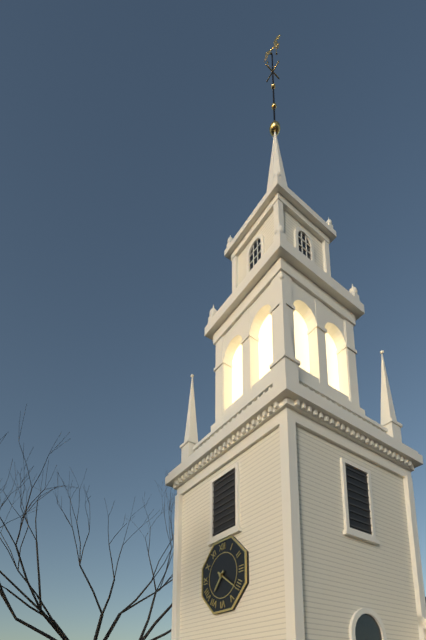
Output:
7.21
